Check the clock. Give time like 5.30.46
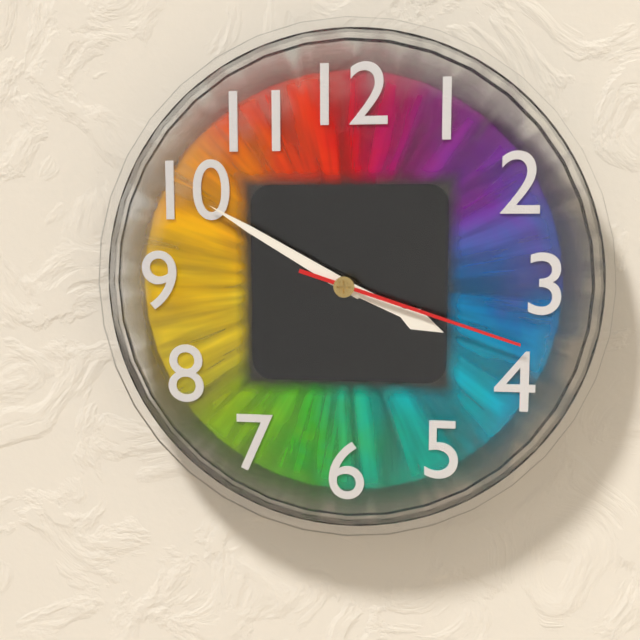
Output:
3.50.18
